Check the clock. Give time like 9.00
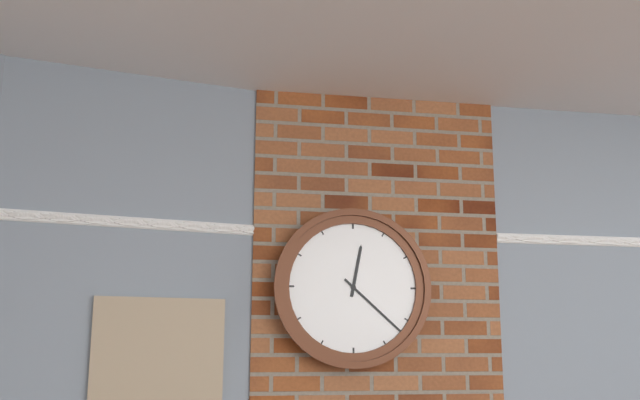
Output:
12.22
